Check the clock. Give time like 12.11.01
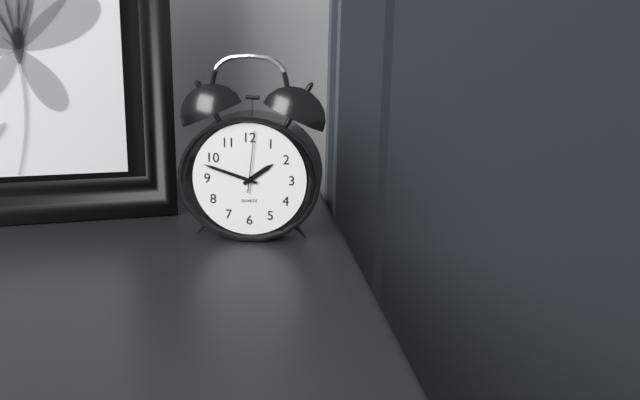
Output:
1.48.01
